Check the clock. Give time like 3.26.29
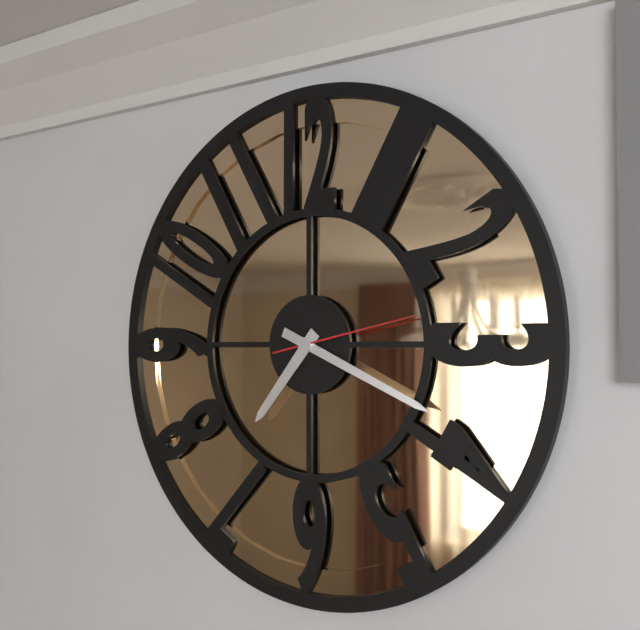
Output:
7.19.13
